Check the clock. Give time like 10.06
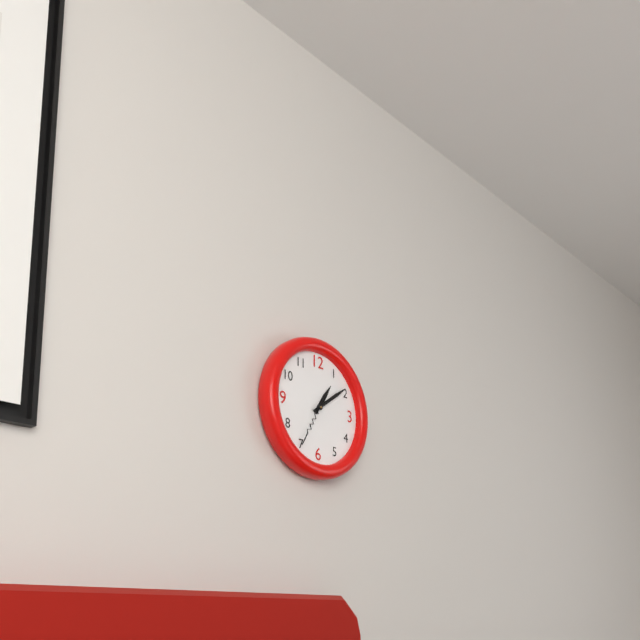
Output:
1.09
